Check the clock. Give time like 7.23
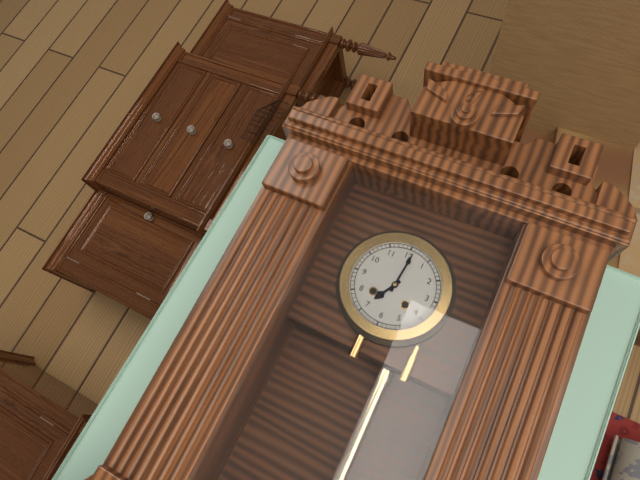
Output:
7.01
